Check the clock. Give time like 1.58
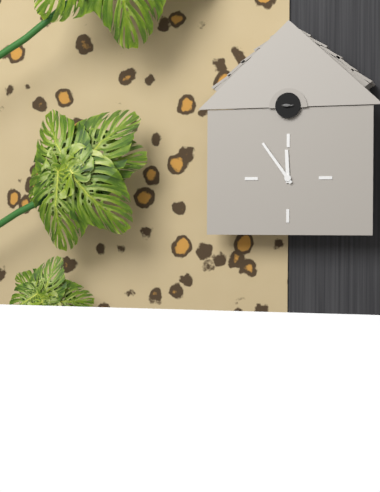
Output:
11.54
